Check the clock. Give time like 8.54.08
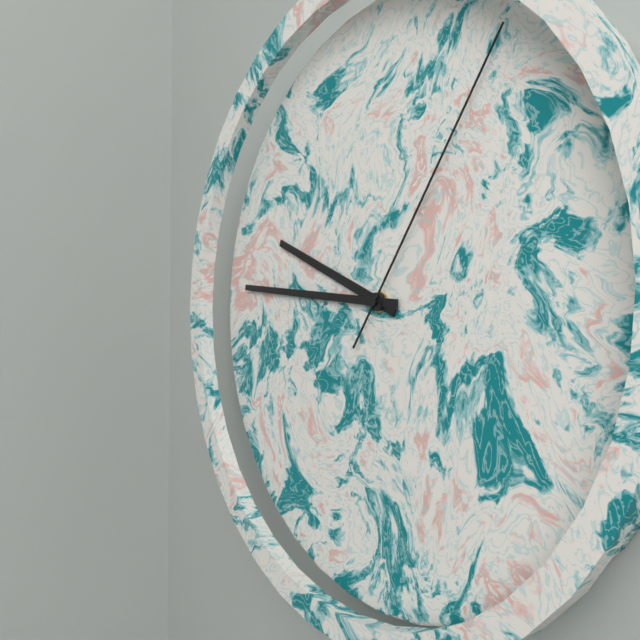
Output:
9.46.06
